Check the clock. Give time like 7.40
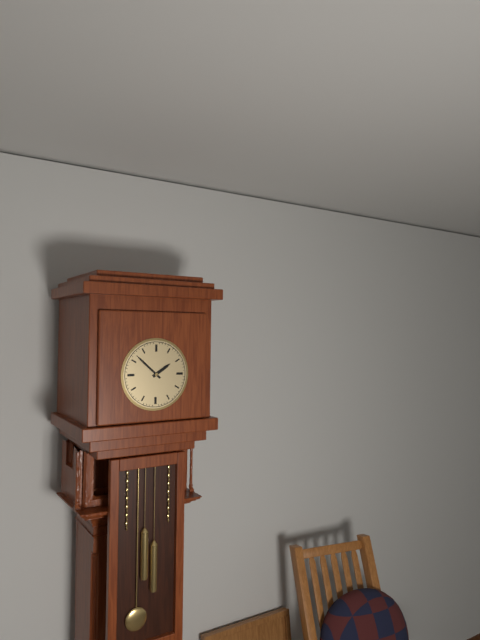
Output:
1.52
